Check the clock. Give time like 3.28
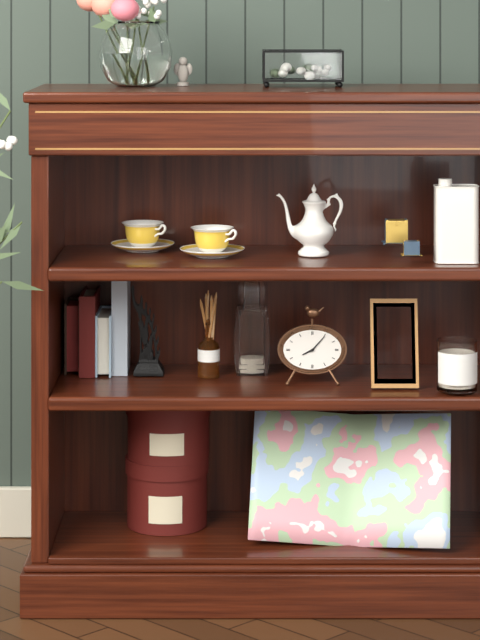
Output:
8.07
